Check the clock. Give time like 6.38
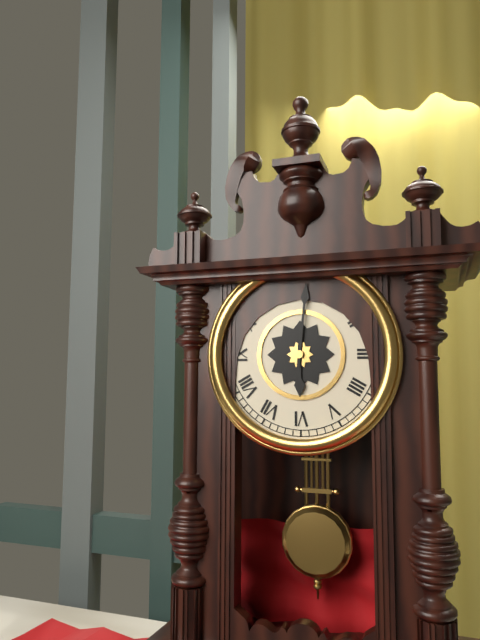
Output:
6.01
